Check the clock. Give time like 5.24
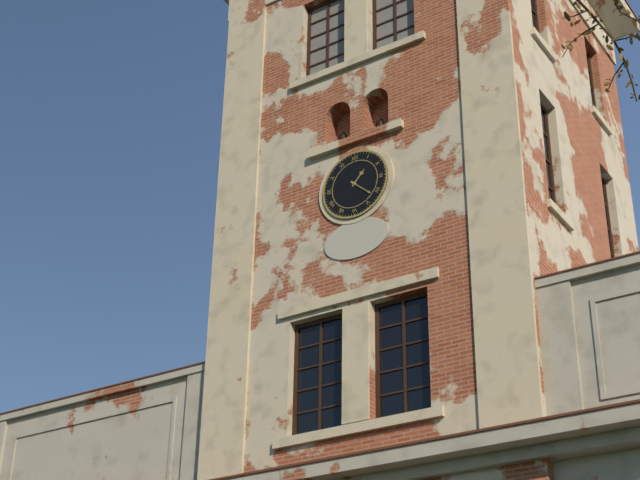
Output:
1.22
